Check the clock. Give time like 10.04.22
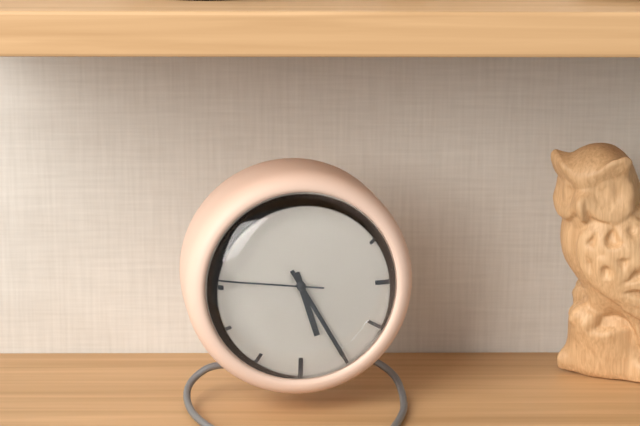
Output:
5.25.46
